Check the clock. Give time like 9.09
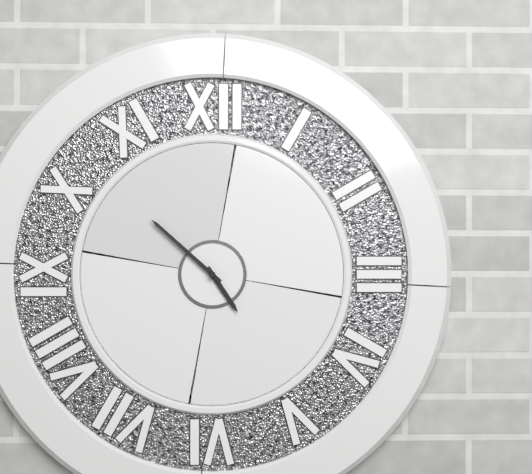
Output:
4.52
